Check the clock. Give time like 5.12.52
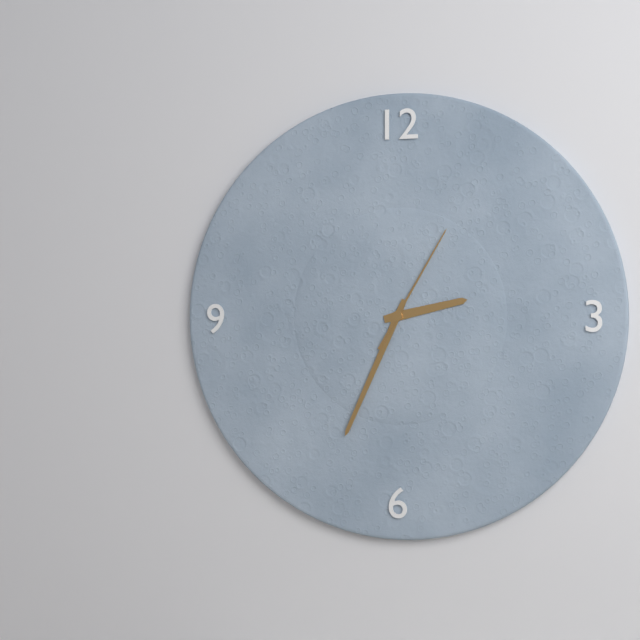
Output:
2.34.05
